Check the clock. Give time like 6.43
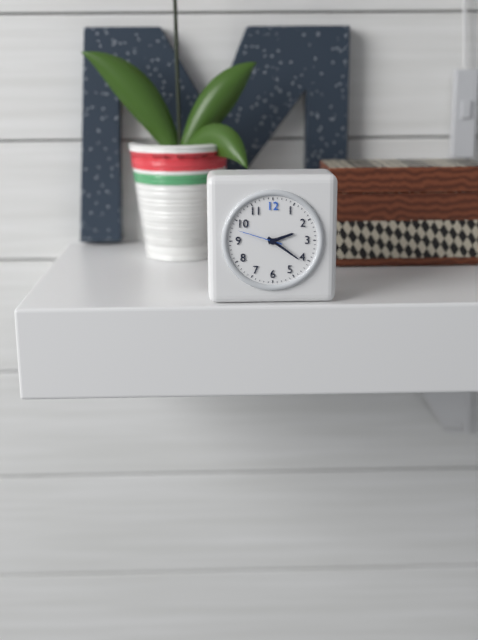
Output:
2.21
